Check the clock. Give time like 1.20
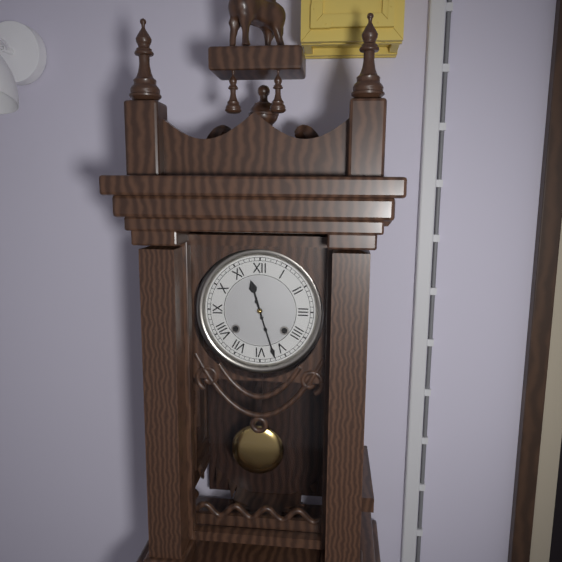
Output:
11.27
